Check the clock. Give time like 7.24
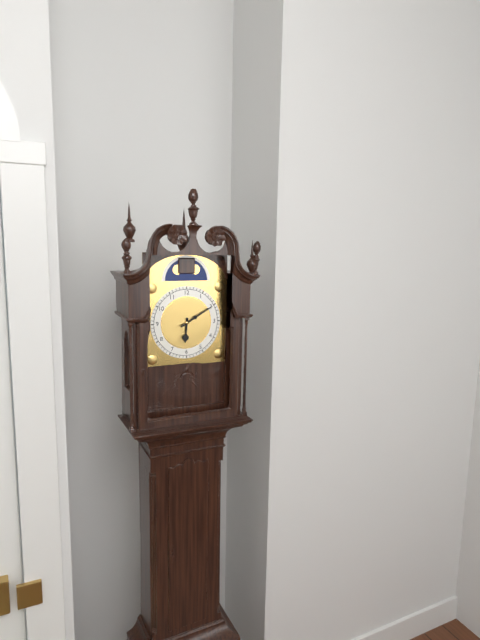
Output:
6.10
